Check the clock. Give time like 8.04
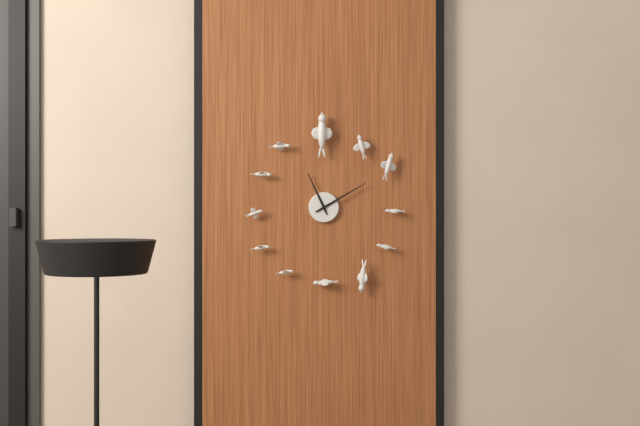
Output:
11.10
